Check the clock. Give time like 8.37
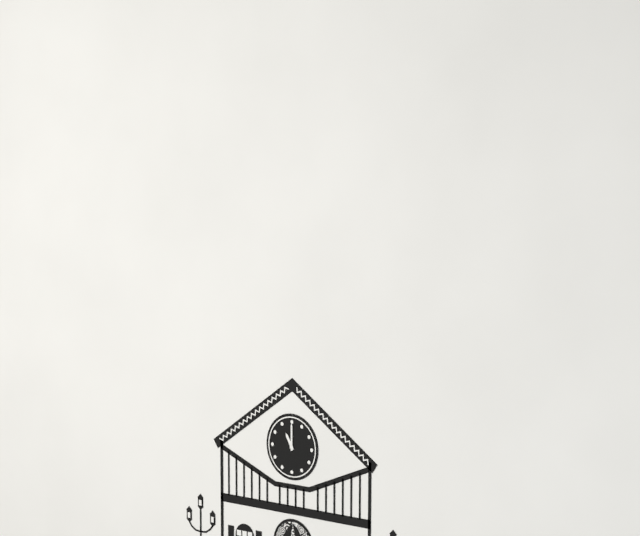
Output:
11.00
